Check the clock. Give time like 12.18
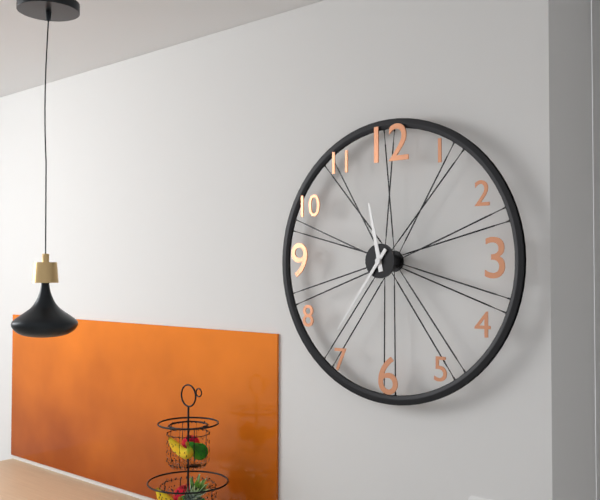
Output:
11.36
